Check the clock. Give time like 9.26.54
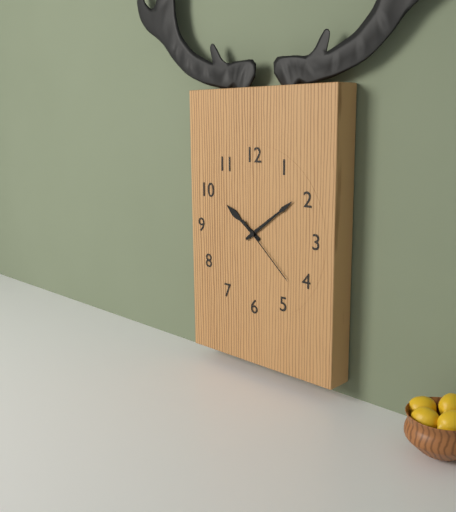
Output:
10.09.22
